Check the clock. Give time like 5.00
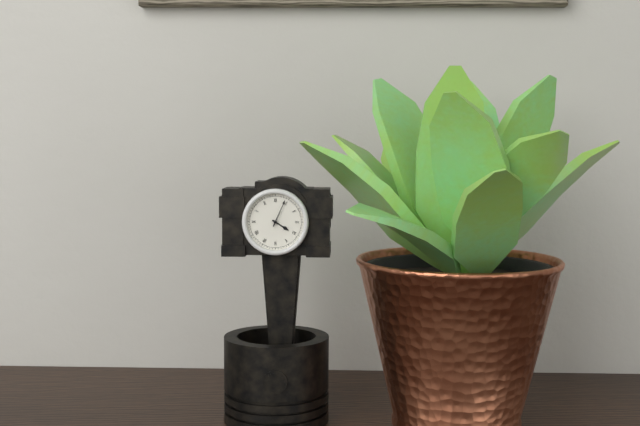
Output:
4.04
